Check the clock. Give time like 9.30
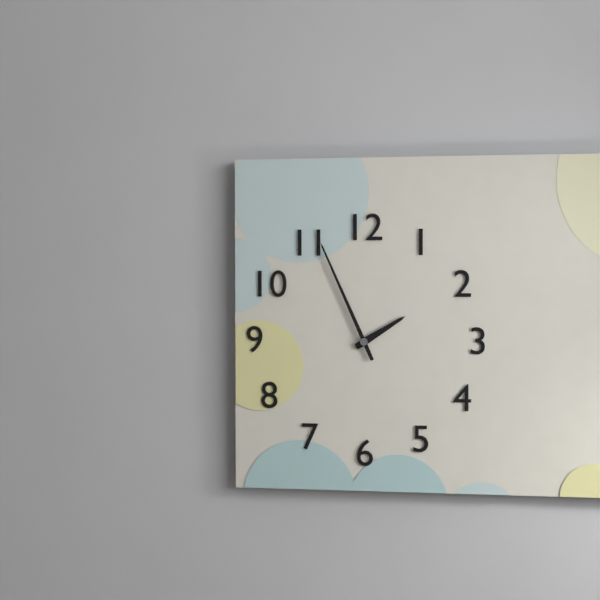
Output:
1.56
